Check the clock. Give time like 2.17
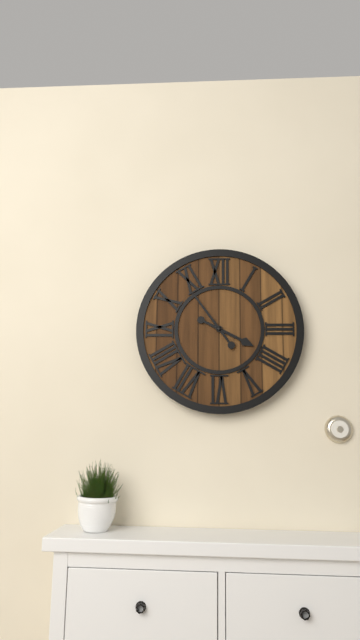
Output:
3.54
